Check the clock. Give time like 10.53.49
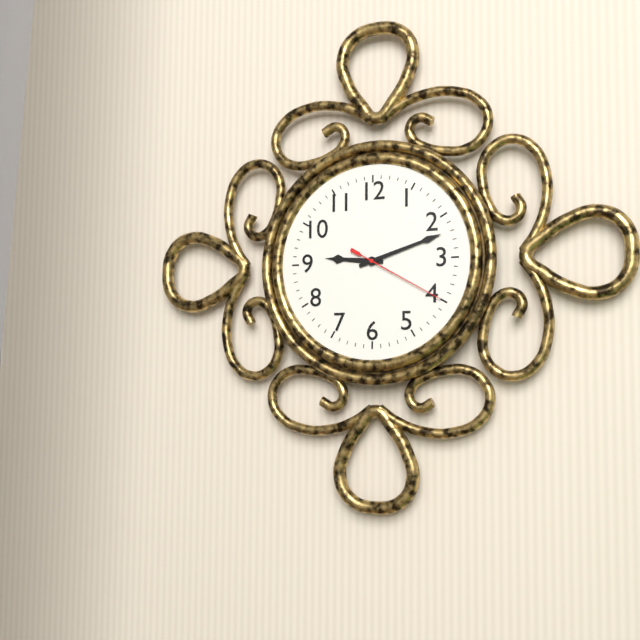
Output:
9.12.20
